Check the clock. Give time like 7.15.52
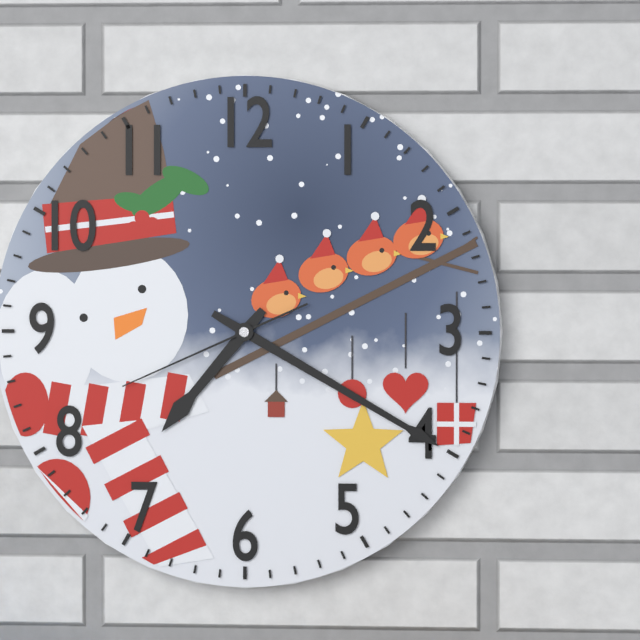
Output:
7.20.41
